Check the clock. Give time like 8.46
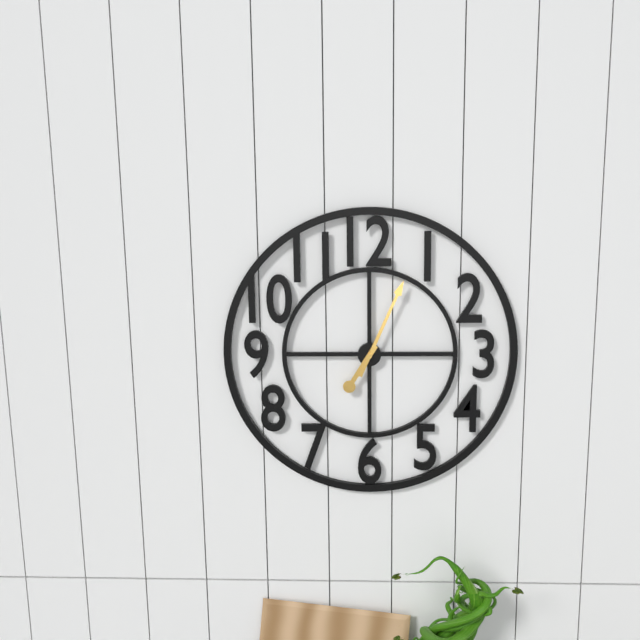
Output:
7.04
